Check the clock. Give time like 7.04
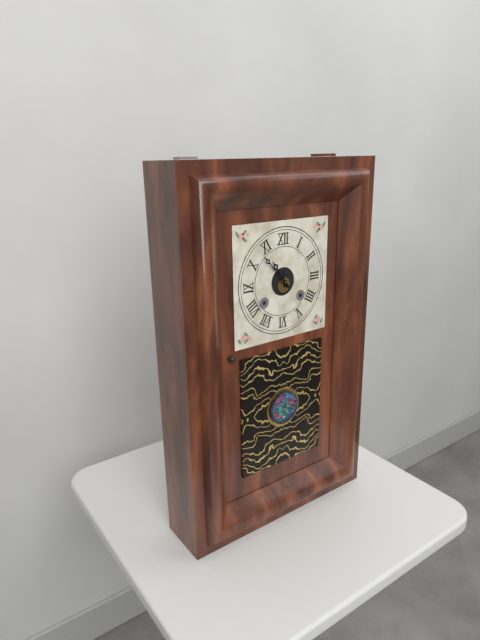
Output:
10.53
